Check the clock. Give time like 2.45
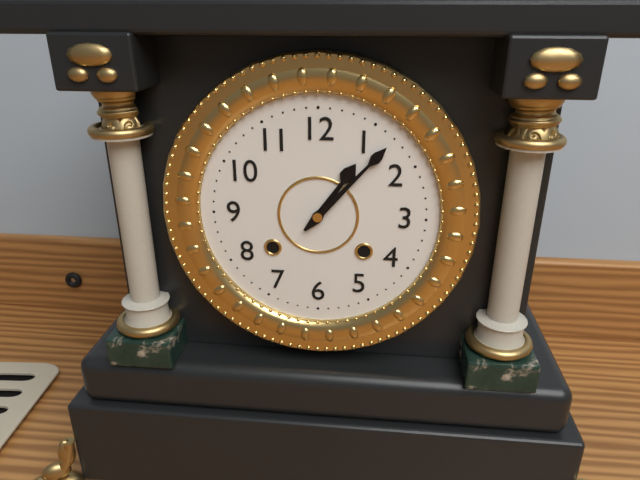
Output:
1.07
